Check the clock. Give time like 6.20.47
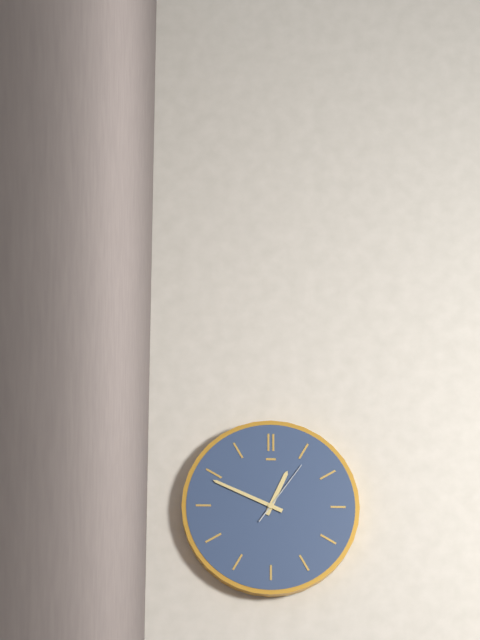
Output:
12.49.06
